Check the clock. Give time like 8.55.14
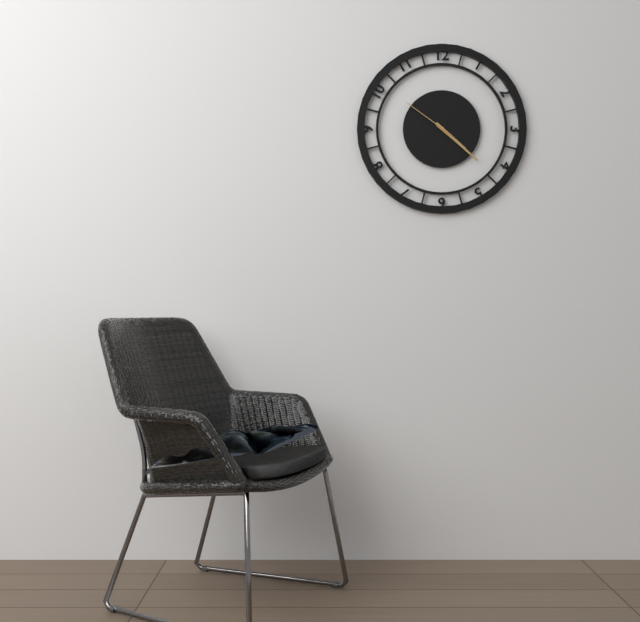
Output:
4.22.51
